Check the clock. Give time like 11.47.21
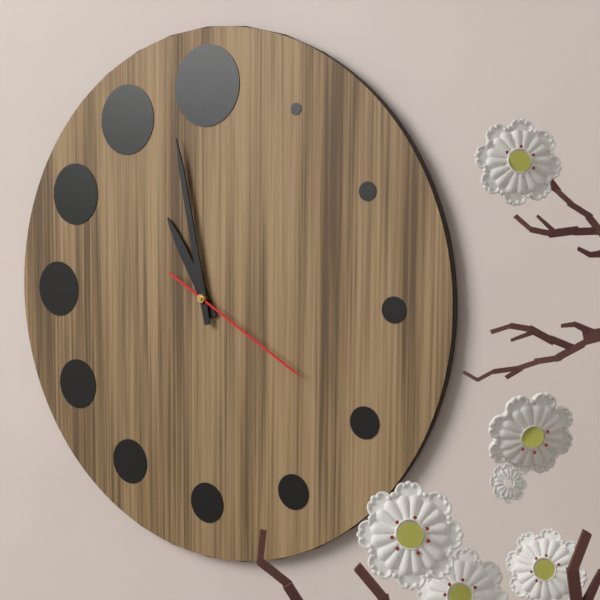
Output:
10.58.20
